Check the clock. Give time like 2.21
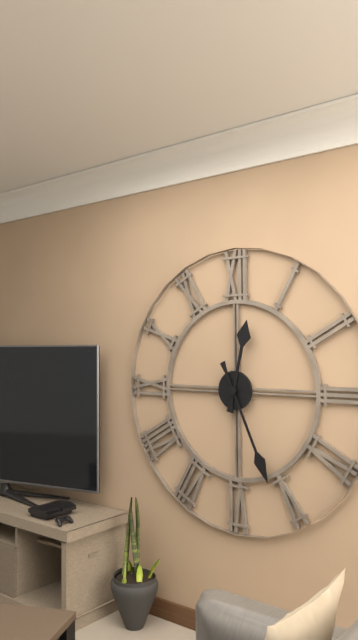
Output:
12.26
